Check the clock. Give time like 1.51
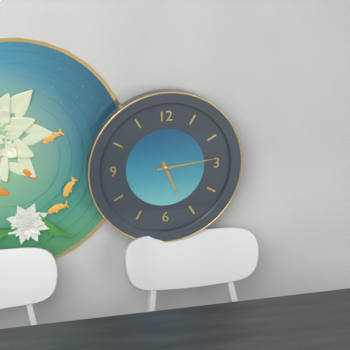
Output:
5.14
